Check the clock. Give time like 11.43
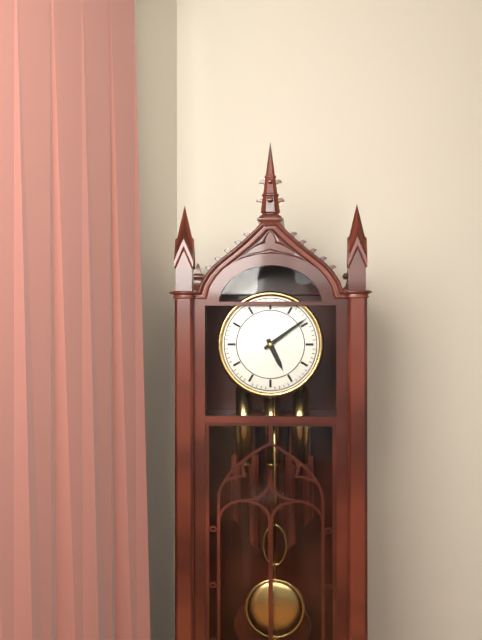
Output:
5.09
